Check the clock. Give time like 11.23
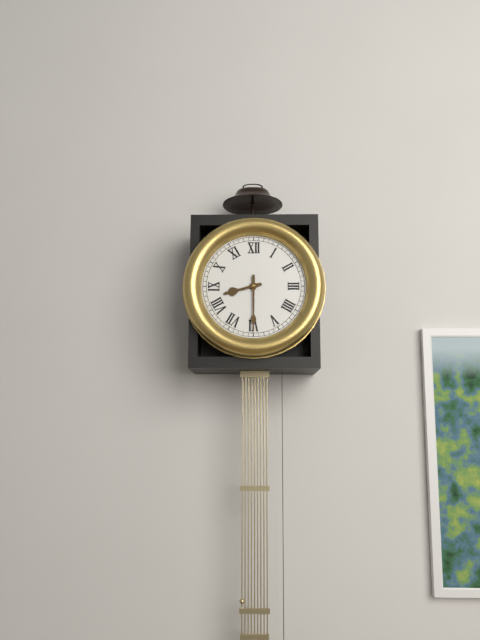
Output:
8.30
